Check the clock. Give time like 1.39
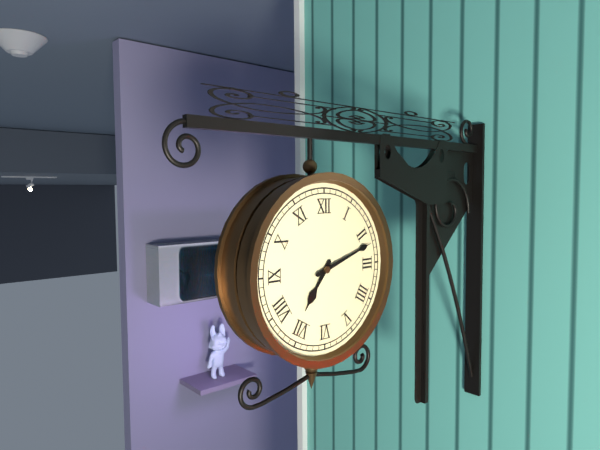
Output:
7.12
